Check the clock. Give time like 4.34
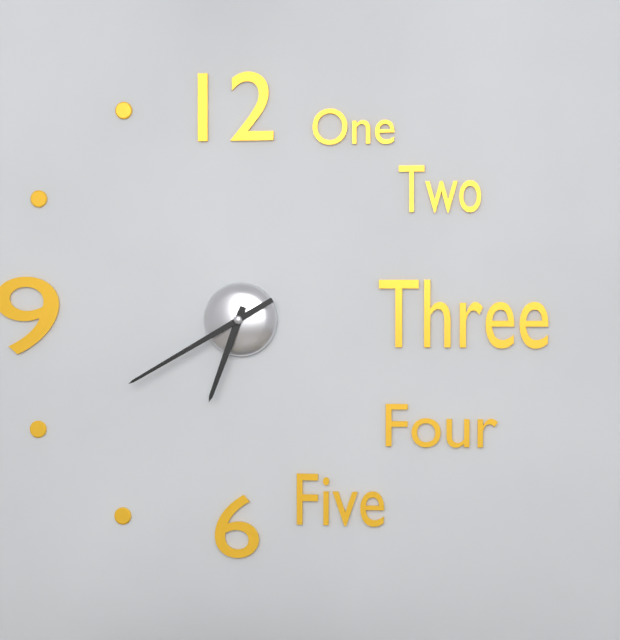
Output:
6.40
